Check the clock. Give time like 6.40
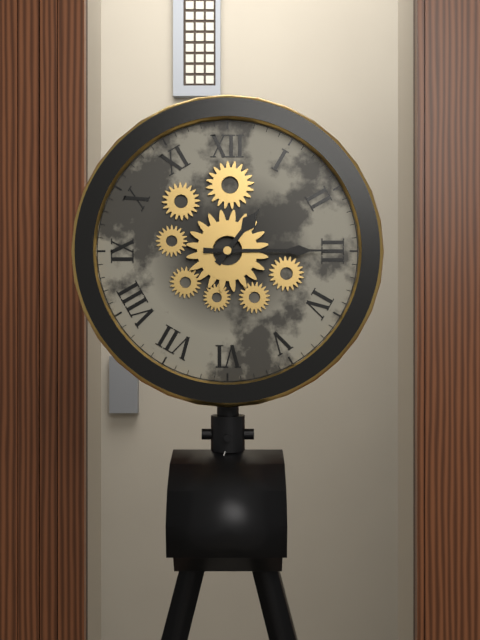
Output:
1.15
